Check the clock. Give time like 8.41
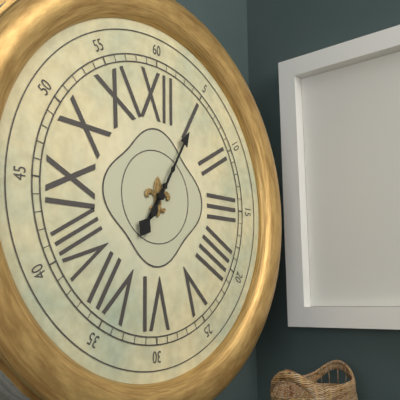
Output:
7.05
